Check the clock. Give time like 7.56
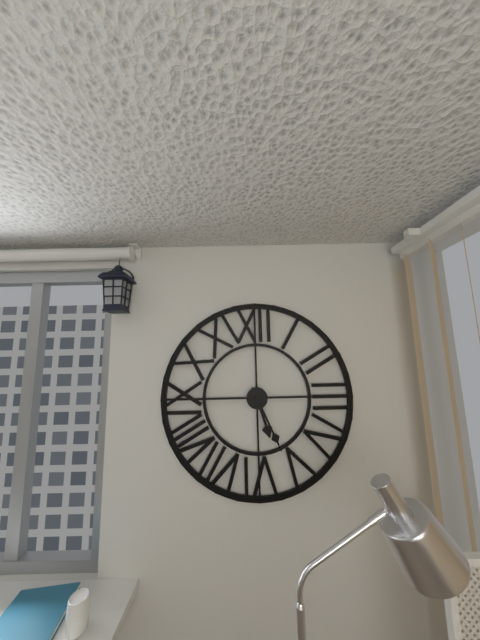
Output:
5.26
